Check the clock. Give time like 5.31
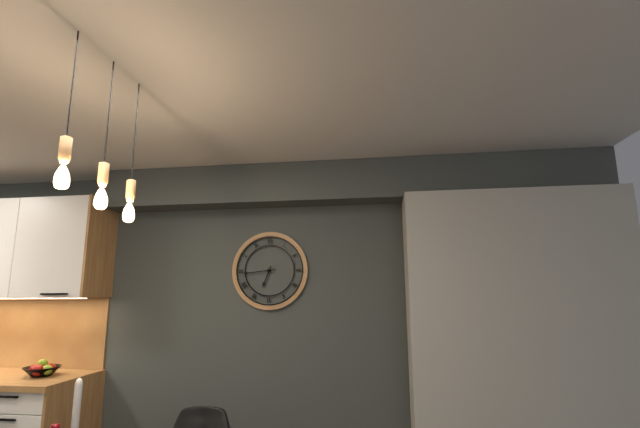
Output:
6.44
